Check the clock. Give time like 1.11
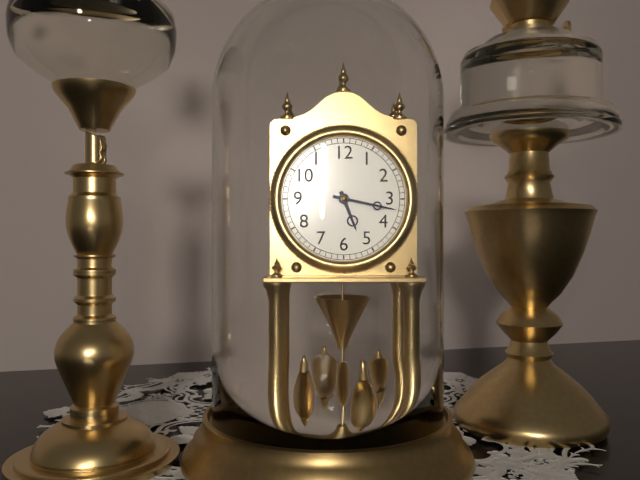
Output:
5.17
